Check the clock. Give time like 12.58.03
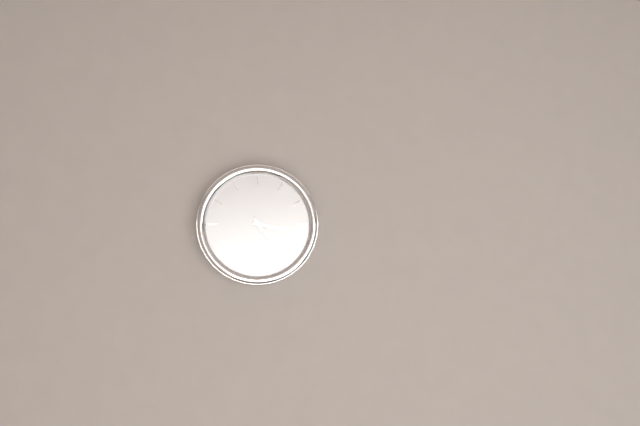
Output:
3.24.27
